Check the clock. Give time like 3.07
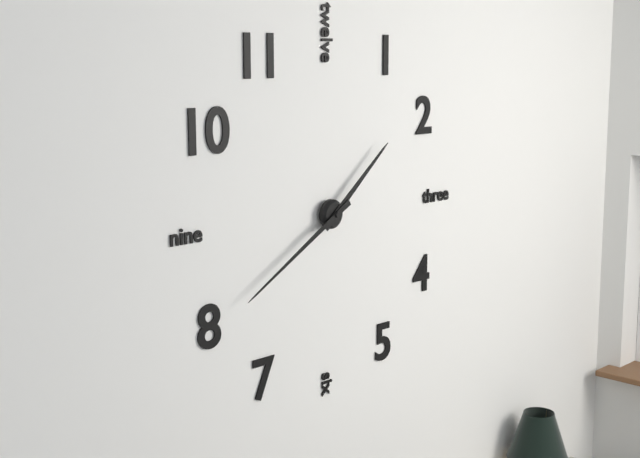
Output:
1.40
